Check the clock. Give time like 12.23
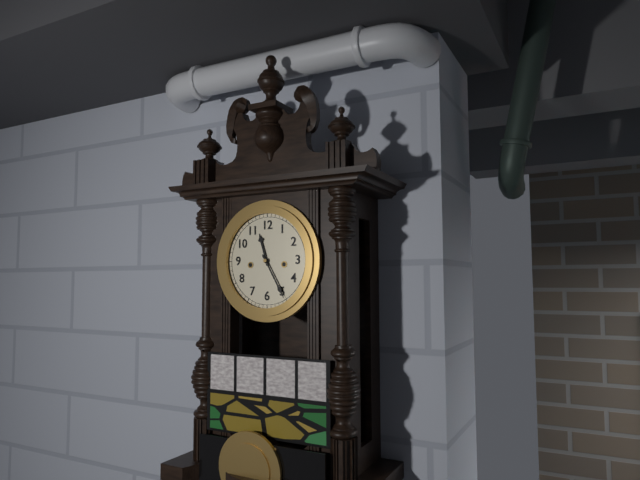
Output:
11.25
